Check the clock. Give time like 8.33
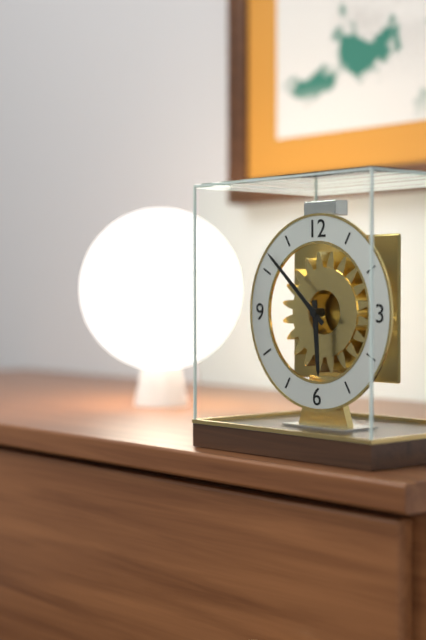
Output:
5.52
